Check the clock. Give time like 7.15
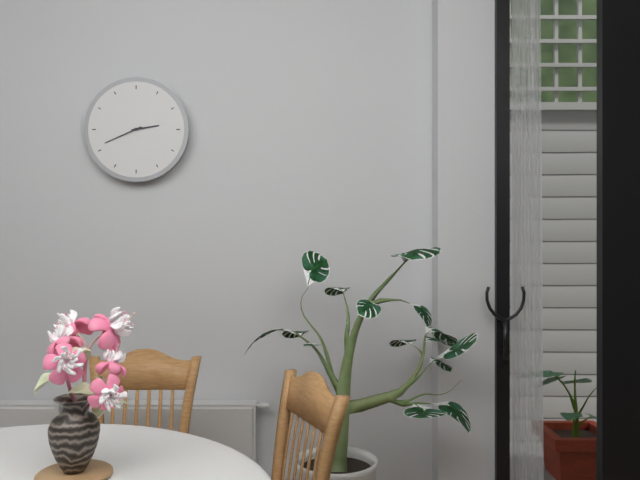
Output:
2.41
